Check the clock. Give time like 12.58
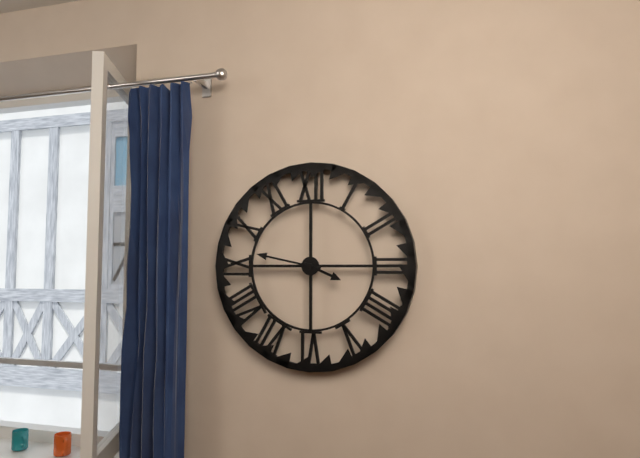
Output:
3.47
